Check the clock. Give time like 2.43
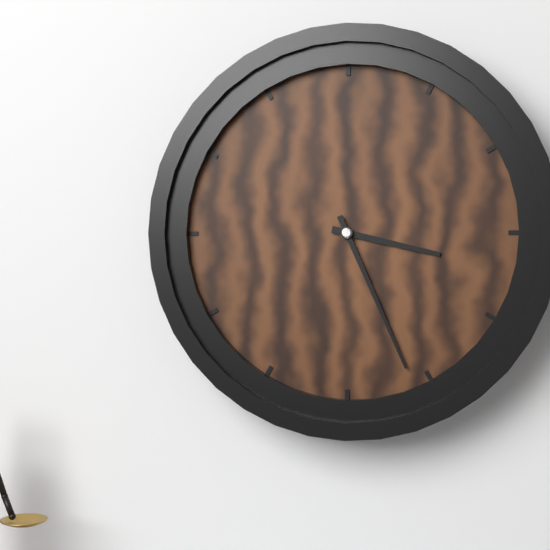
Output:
3.26
